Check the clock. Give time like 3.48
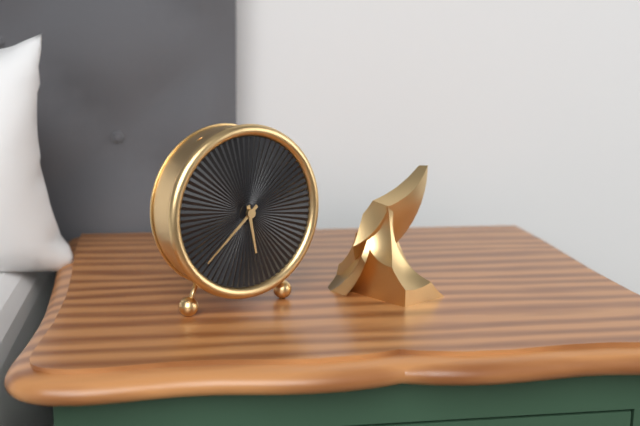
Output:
5.38
